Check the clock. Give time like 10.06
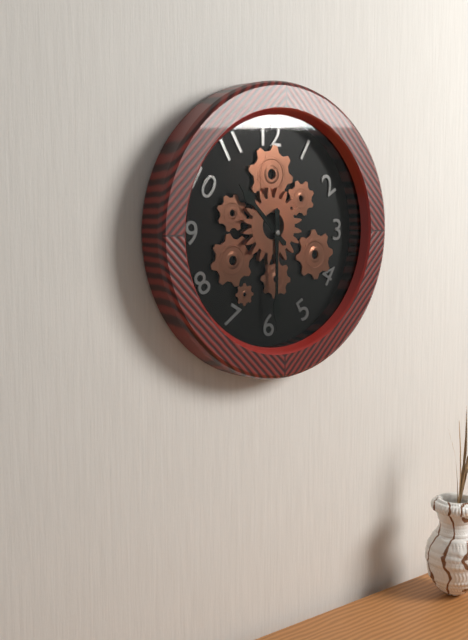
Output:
10.30
